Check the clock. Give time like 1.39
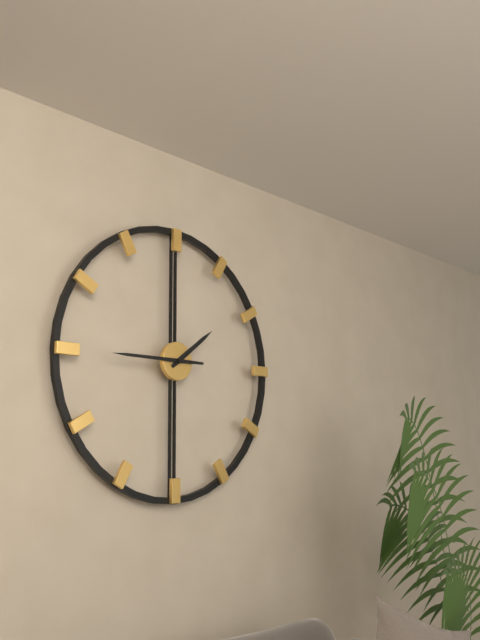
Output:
1.45
